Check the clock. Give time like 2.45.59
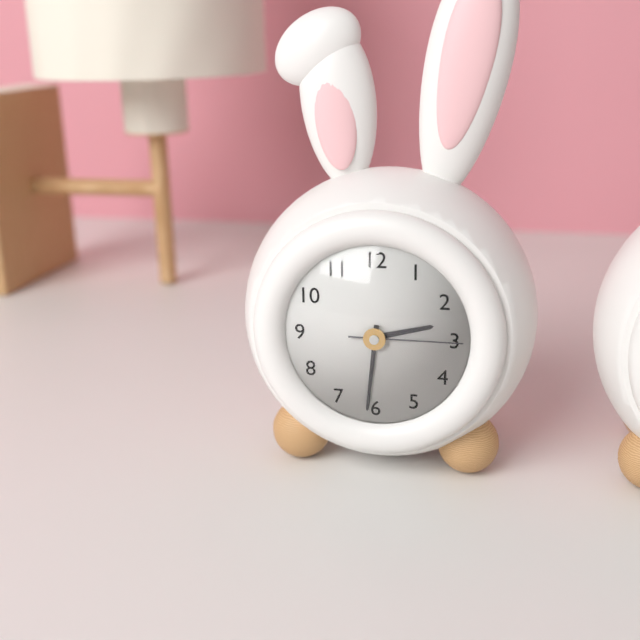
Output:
2.31.15
